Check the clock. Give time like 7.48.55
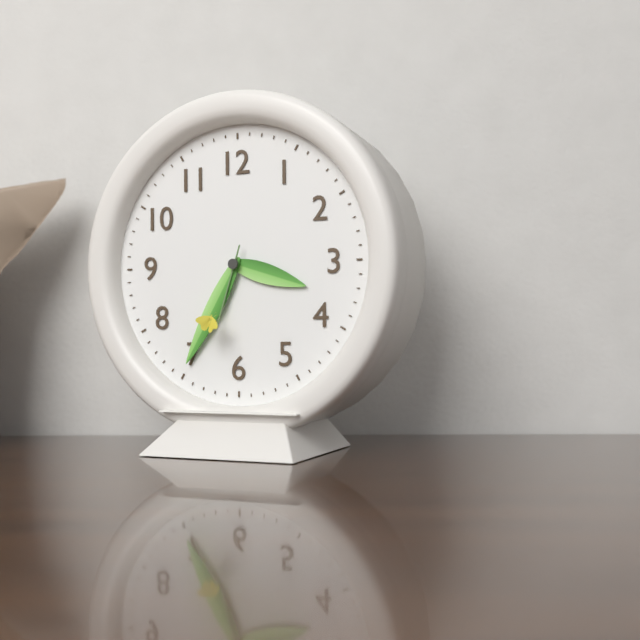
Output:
3.35.33
